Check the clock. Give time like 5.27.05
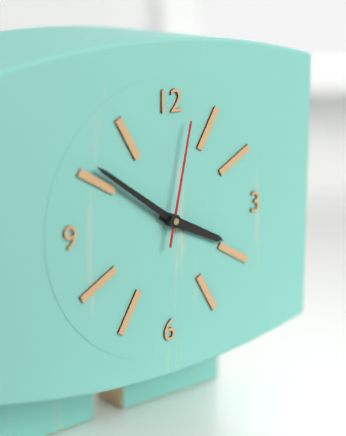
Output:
3.51.02
